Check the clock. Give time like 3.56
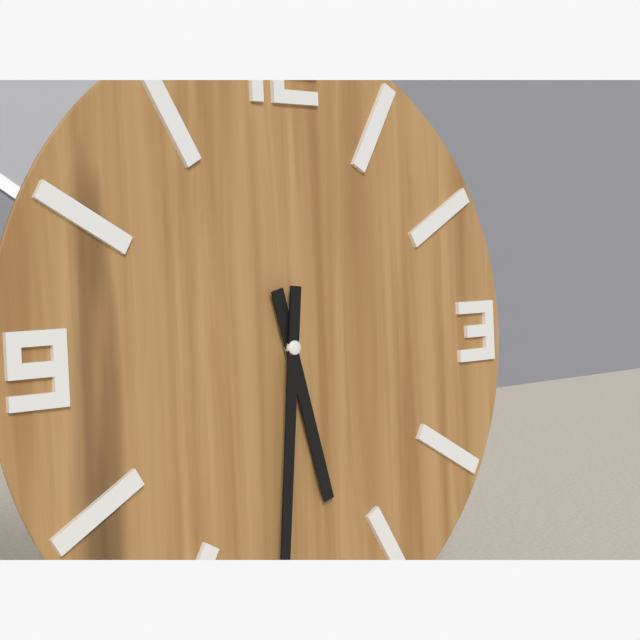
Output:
5.31
